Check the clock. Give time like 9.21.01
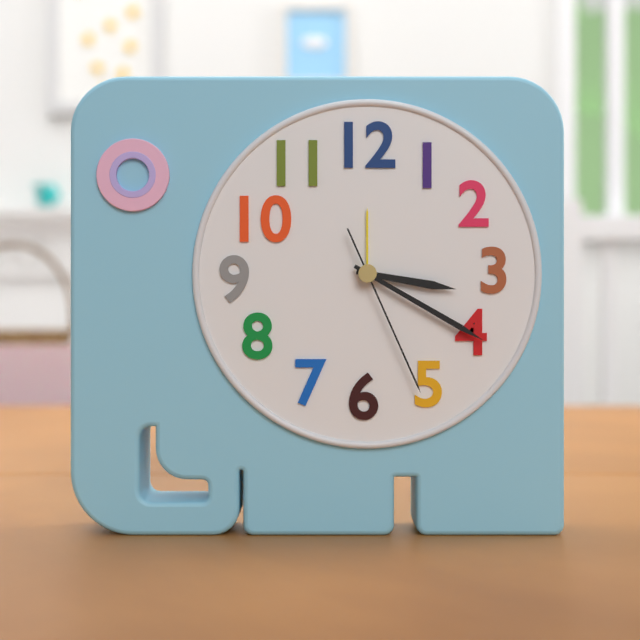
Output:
3.20.26
